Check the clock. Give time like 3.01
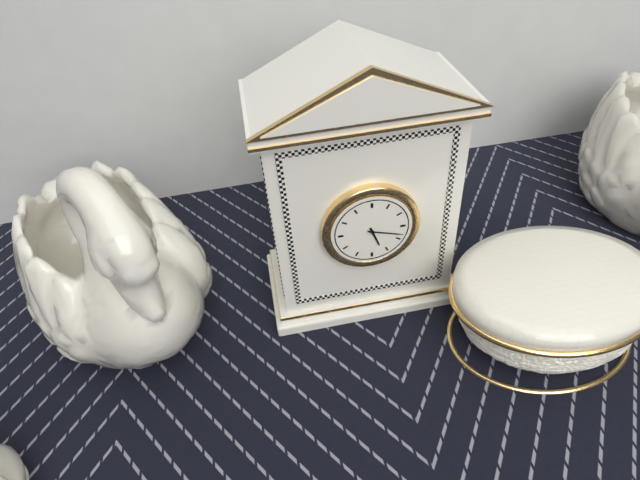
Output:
5.18
